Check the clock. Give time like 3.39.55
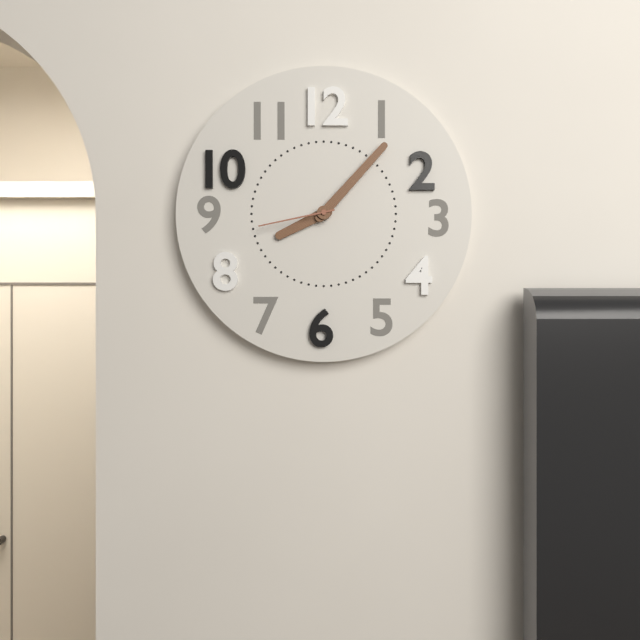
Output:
8.07.43
